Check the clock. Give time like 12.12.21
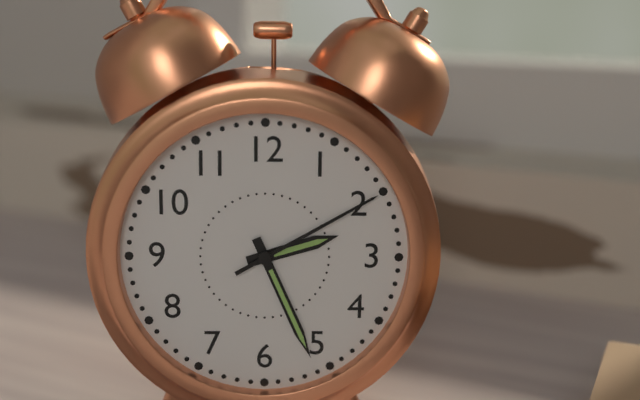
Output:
2.26.10
